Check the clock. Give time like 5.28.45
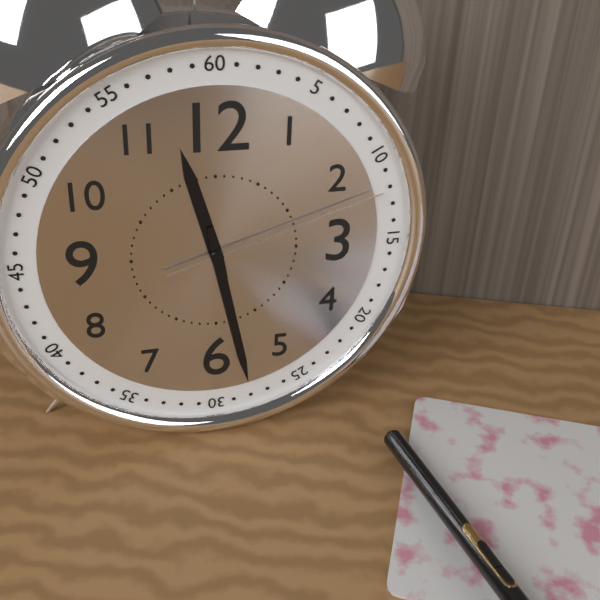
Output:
11.28.12
